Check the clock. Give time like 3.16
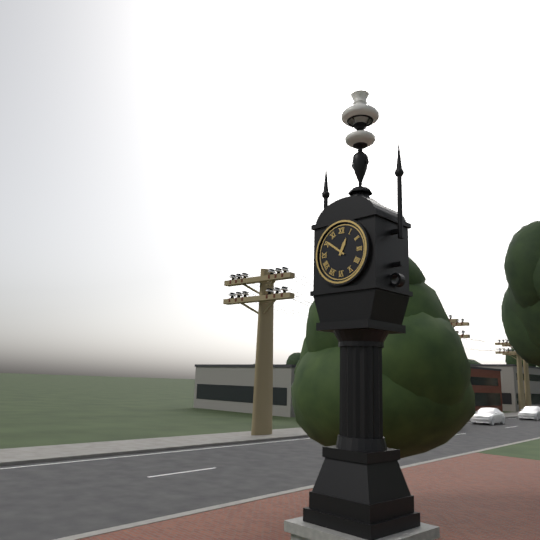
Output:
12.51
